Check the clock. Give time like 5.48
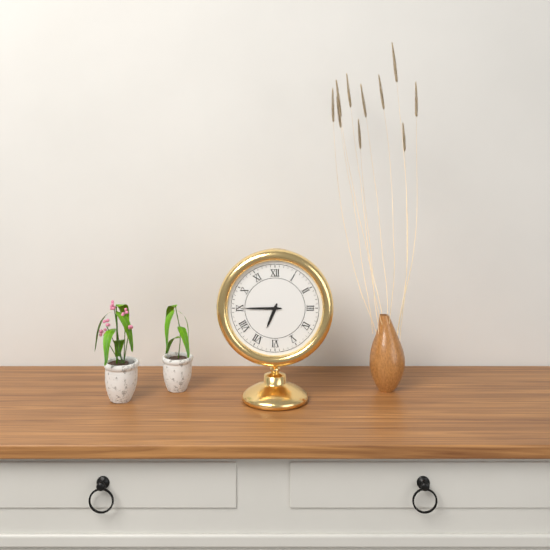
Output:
6.45
